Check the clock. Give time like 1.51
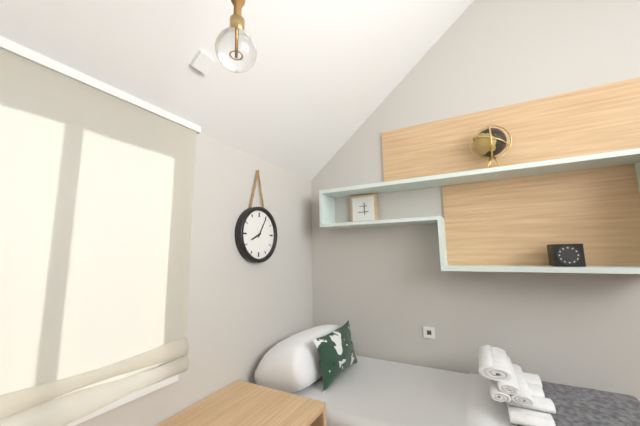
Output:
8.05
